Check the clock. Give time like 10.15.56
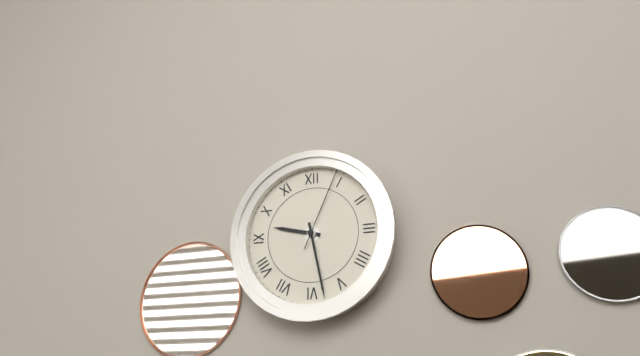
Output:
9.28.04
